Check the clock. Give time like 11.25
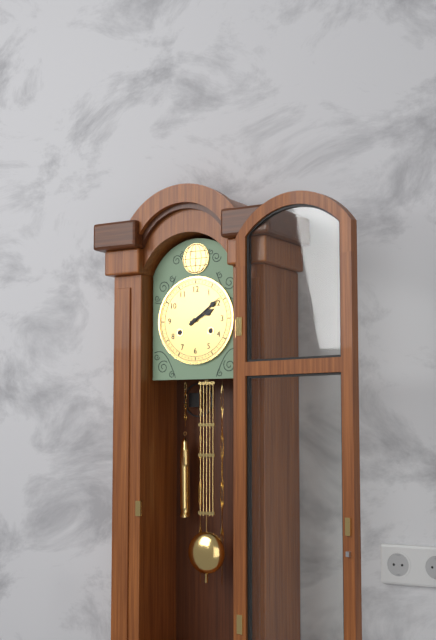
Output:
2.09
